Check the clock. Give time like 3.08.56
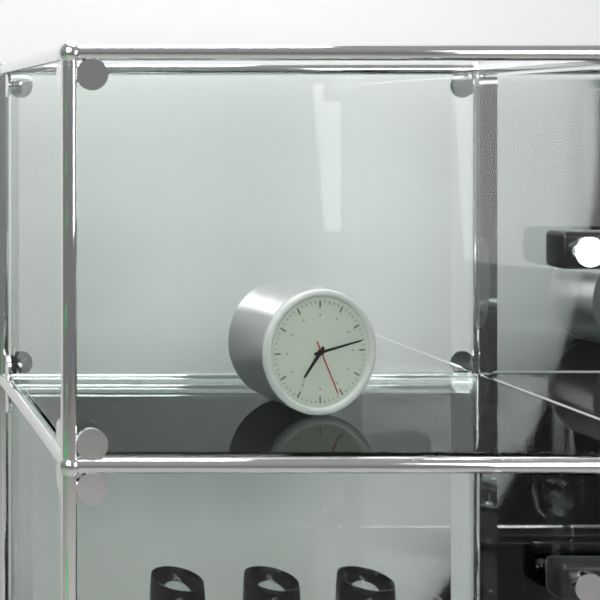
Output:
7.13.26
